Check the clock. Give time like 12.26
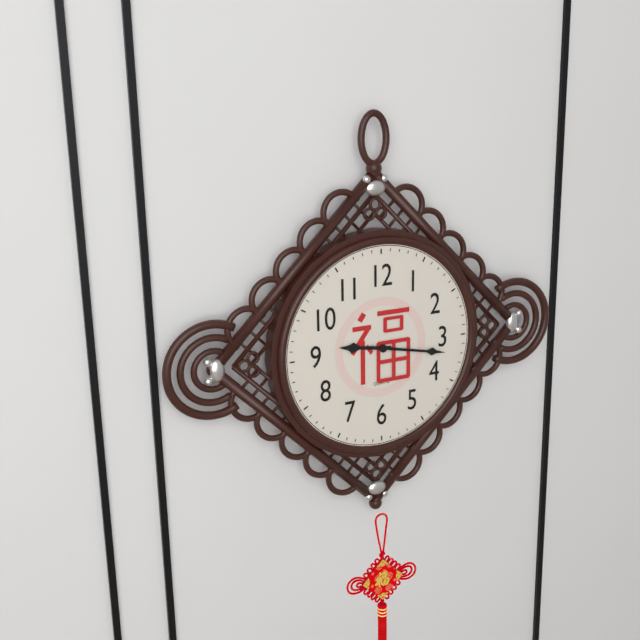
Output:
9.17
